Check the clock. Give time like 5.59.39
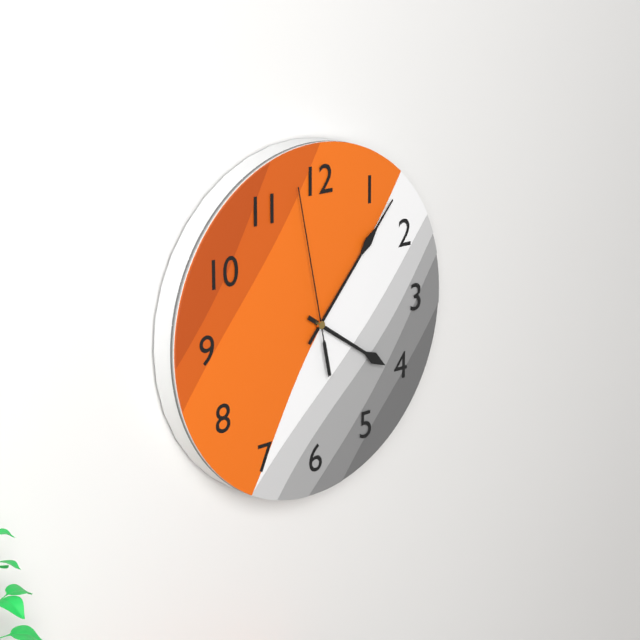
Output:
4.07.58
